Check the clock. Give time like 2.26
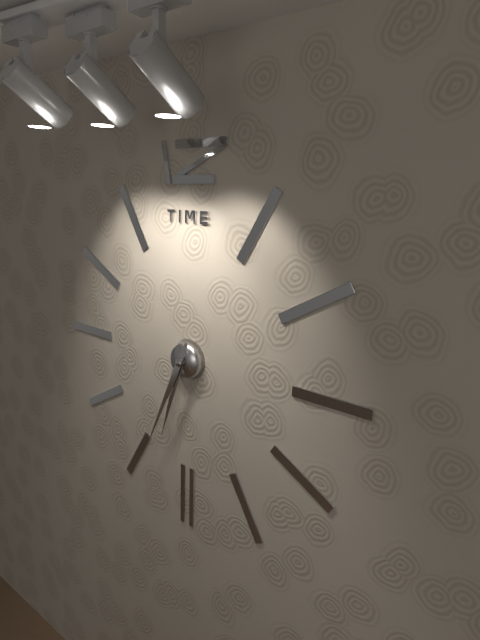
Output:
6.34
